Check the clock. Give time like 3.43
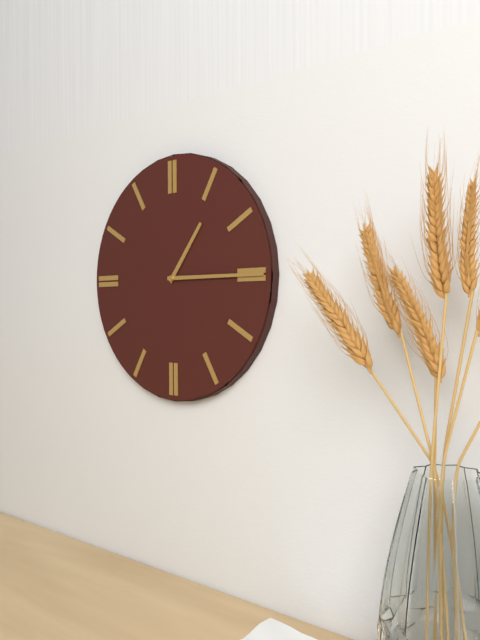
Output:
1.15
